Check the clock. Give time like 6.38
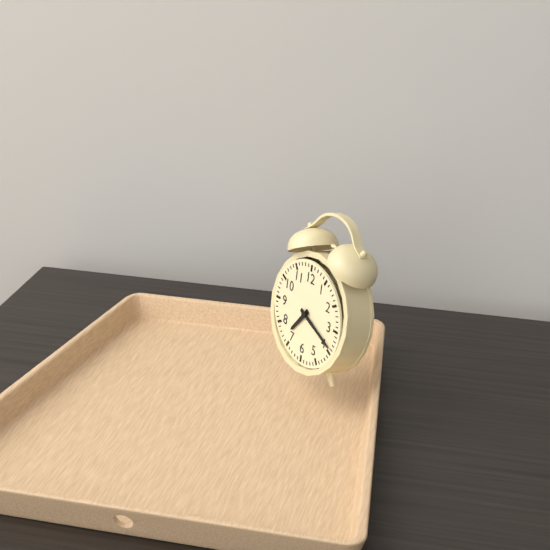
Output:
7.19
